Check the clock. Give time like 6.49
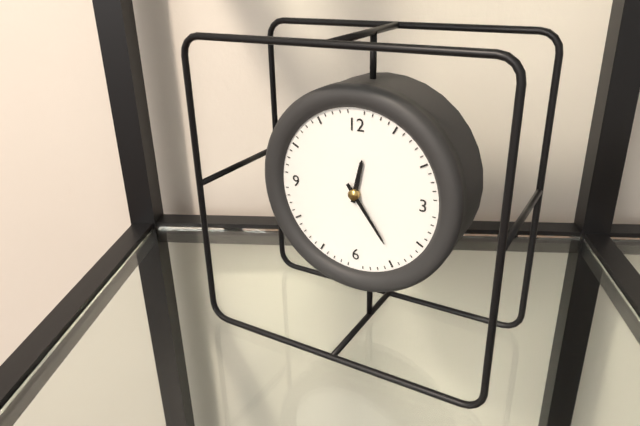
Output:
12.24
